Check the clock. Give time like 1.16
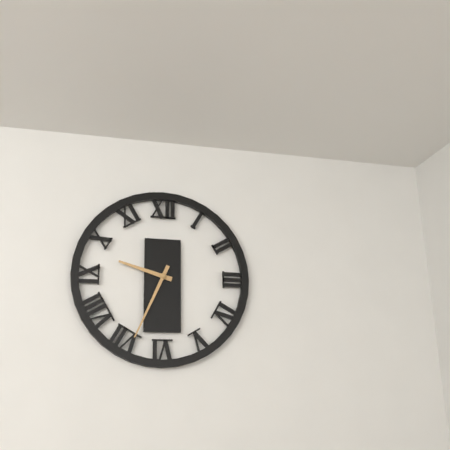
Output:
9.34
